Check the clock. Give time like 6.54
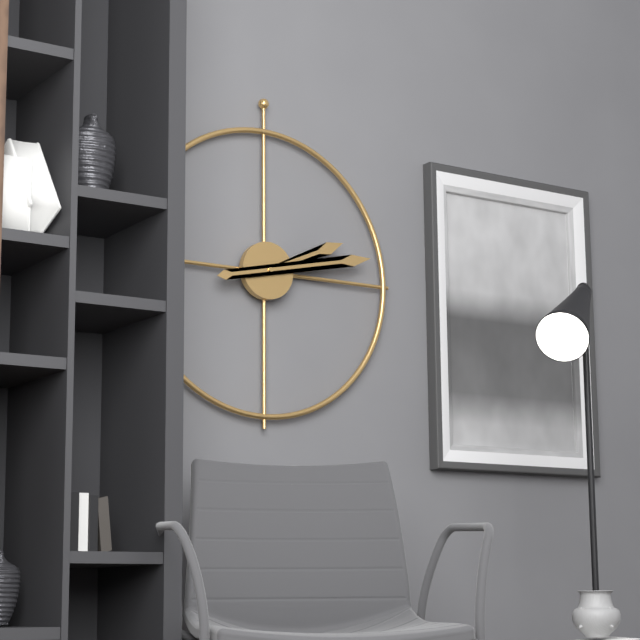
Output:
2.13
